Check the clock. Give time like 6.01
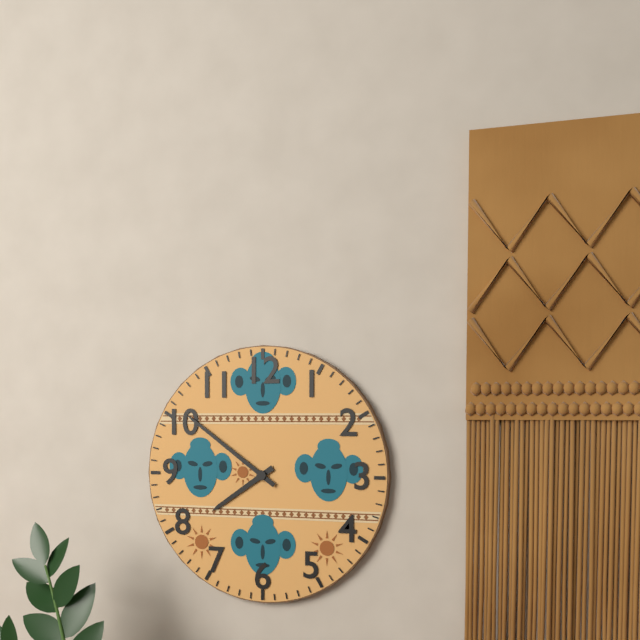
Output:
7.51
